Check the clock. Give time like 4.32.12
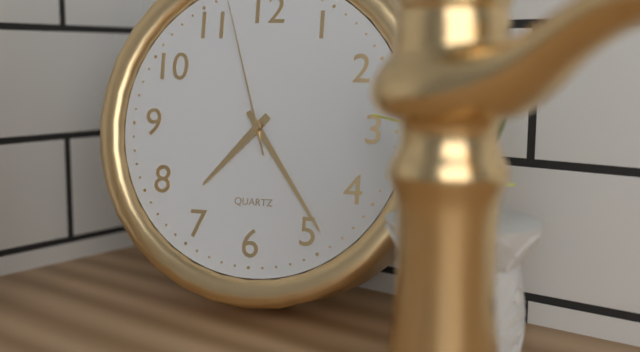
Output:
7.24.57
